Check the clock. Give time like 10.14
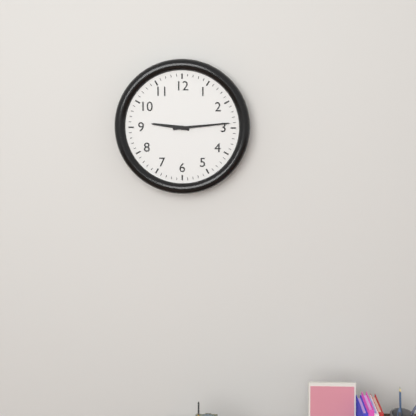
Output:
9.14
